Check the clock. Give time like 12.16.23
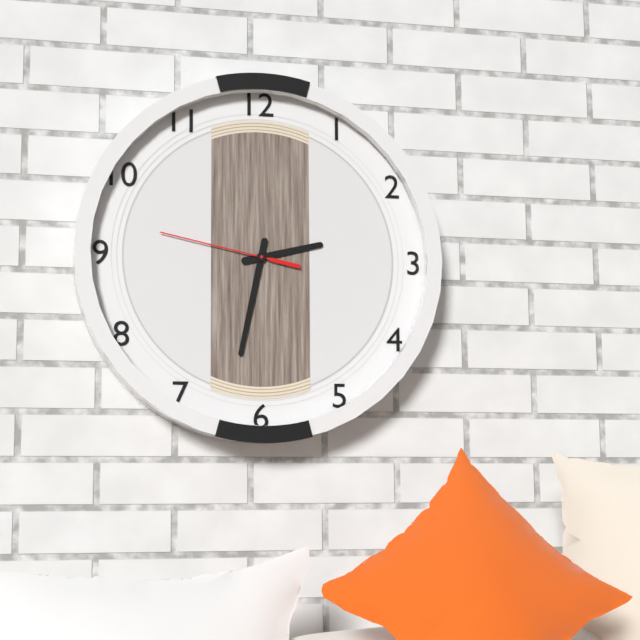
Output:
2.32.47
